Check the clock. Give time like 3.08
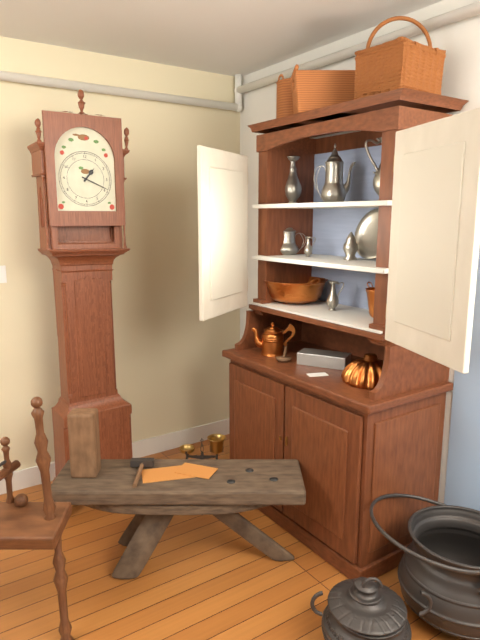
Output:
1.19
